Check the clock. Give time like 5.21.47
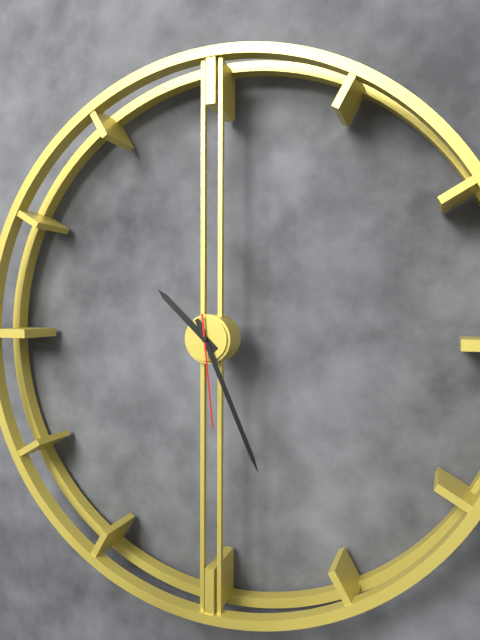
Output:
10.26.29
